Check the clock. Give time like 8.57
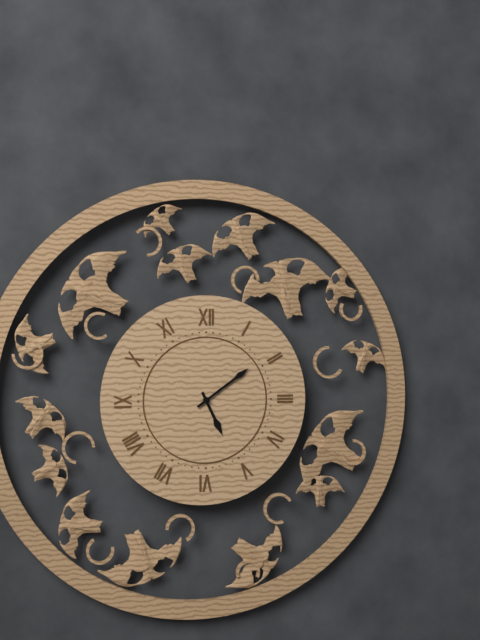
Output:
5.09
